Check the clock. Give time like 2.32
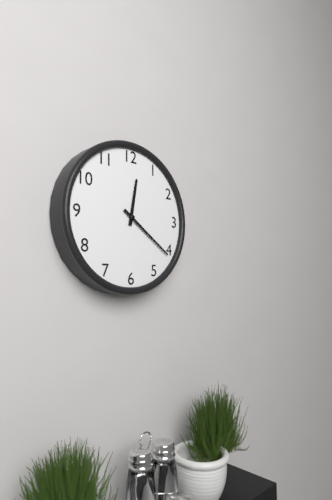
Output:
12.21
